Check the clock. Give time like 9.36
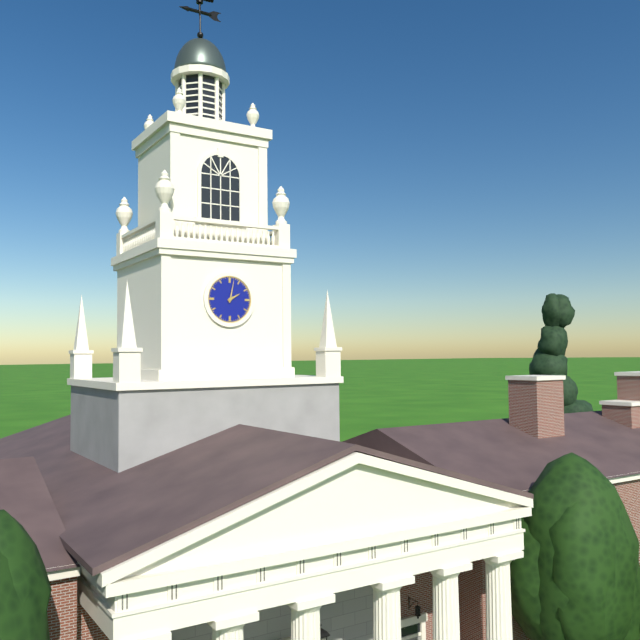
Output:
2.02
